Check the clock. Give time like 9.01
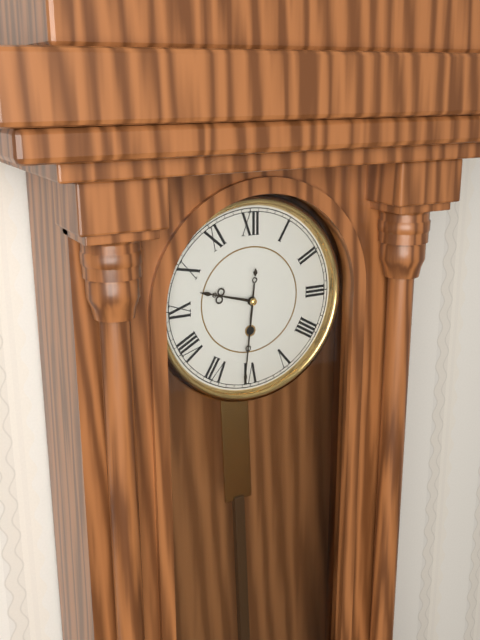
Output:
9.31
